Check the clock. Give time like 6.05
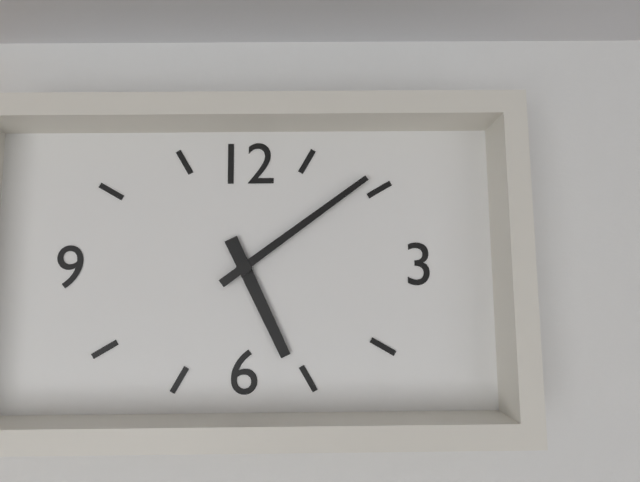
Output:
5.09
